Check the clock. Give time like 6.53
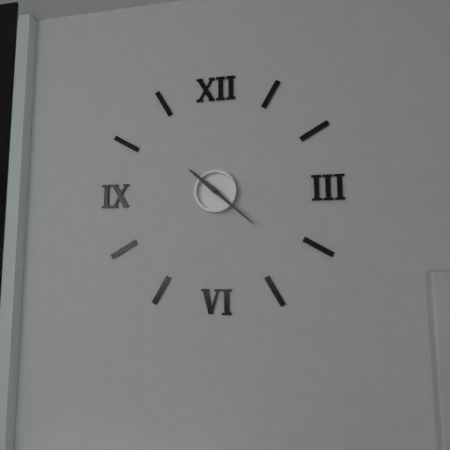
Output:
10.22
